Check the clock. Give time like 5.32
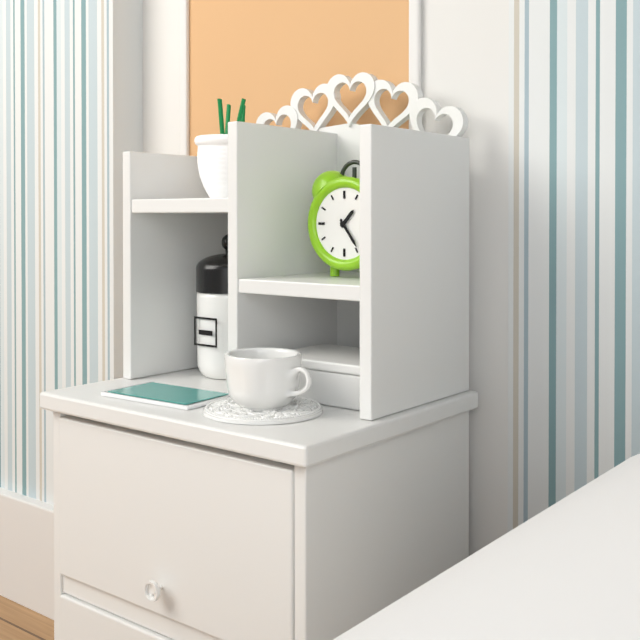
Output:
1.24
